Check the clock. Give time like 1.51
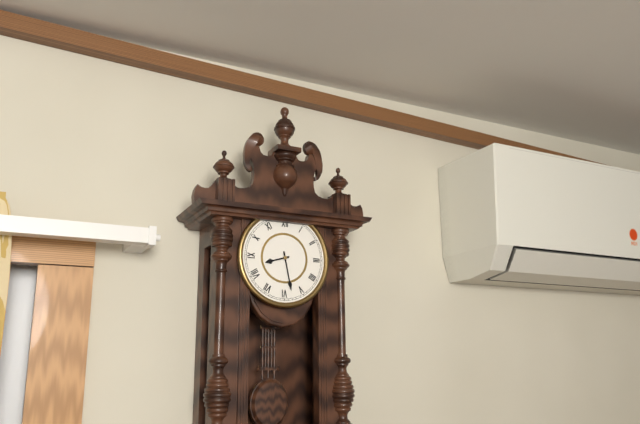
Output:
8.28
